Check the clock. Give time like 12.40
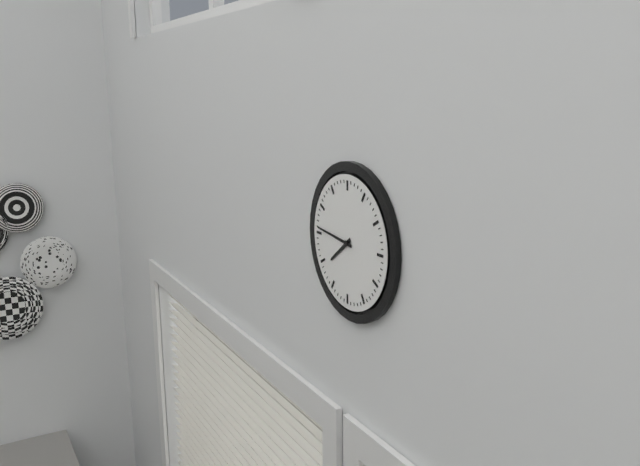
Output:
7.46
